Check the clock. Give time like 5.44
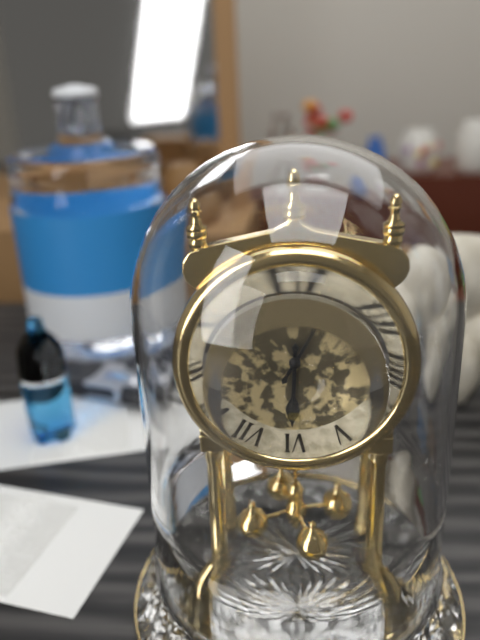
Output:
6.05
